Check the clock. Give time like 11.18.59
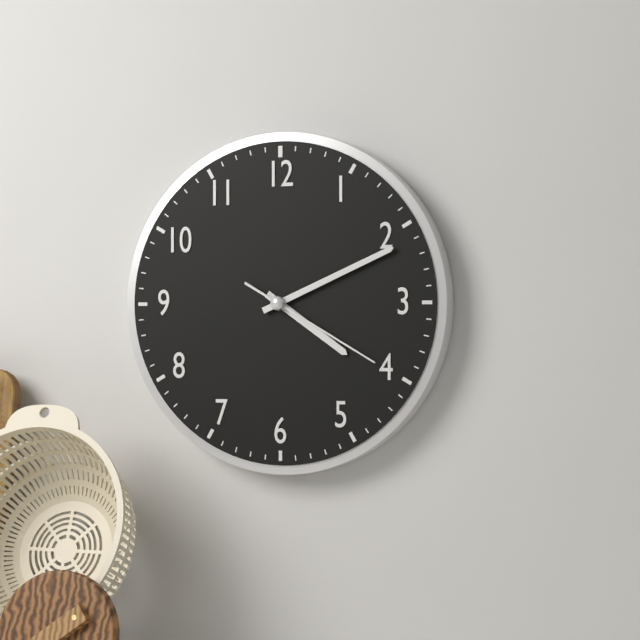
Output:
4.11.20
